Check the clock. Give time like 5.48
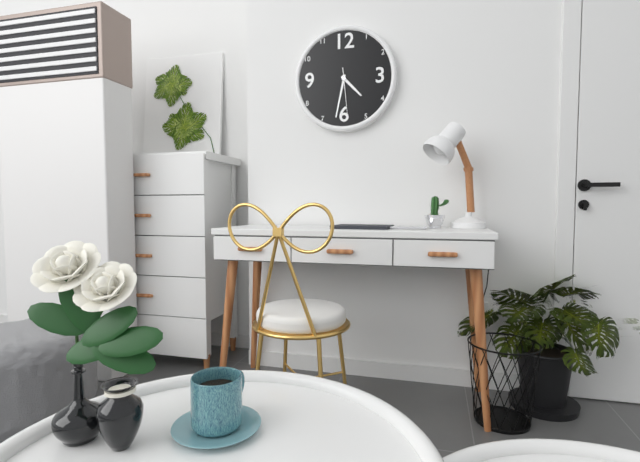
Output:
4.32
